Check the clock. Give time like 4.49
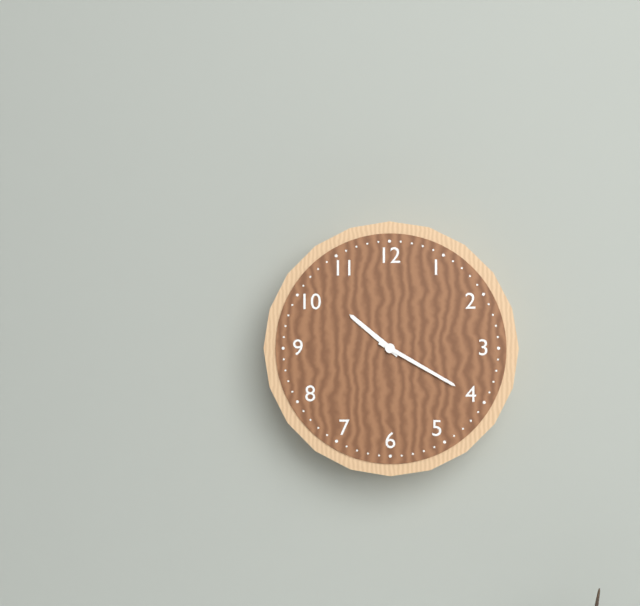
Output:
10.20
